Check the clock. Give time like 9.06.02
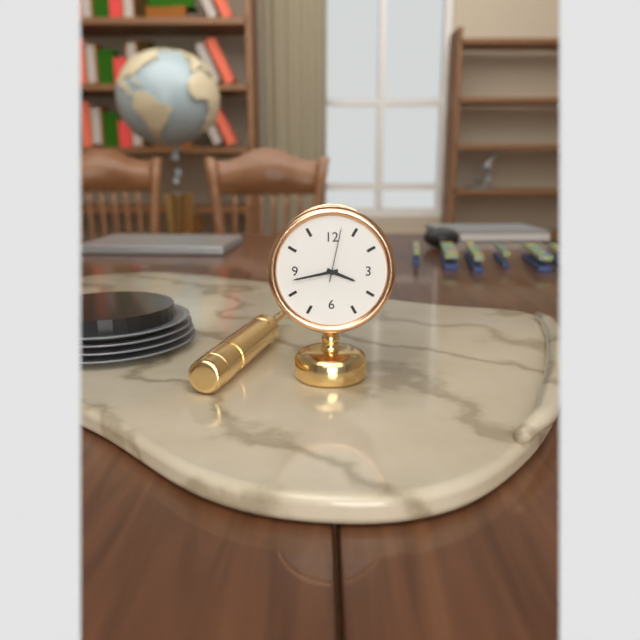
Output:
3.43.02
